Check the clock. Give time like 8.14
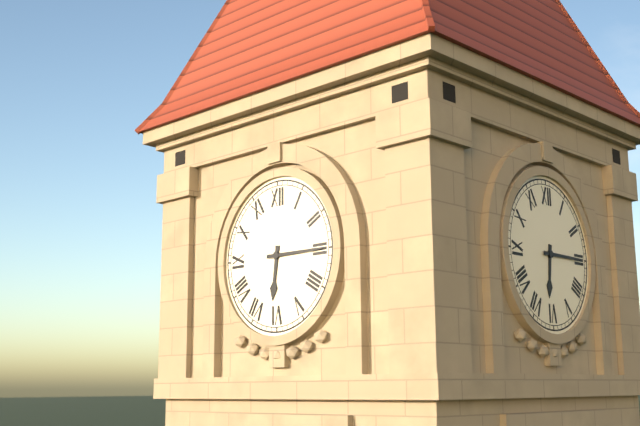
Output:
6.15
